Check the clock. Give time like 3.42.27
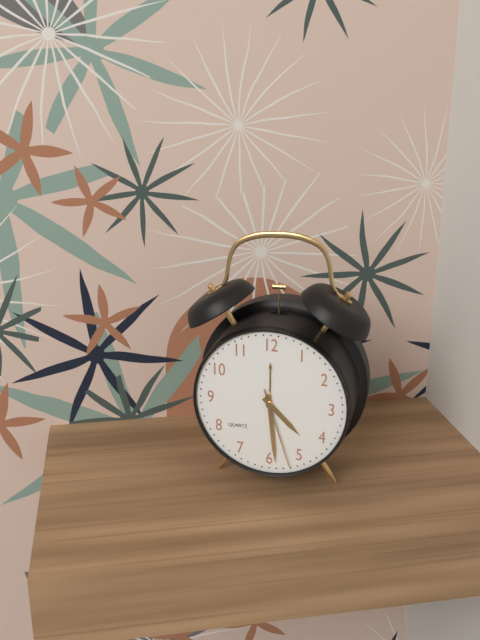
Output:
4.29.27
